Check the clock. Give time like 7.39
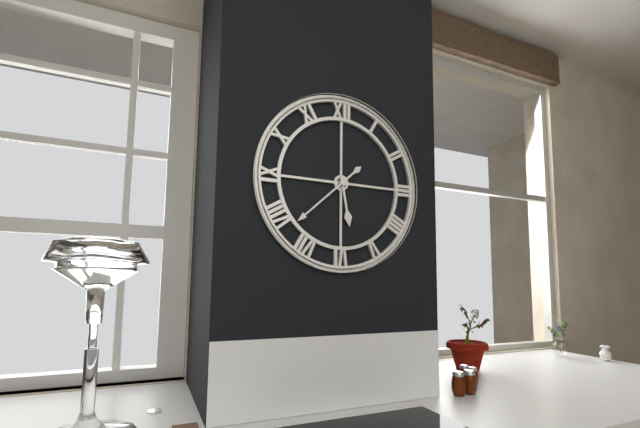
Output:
5.38
